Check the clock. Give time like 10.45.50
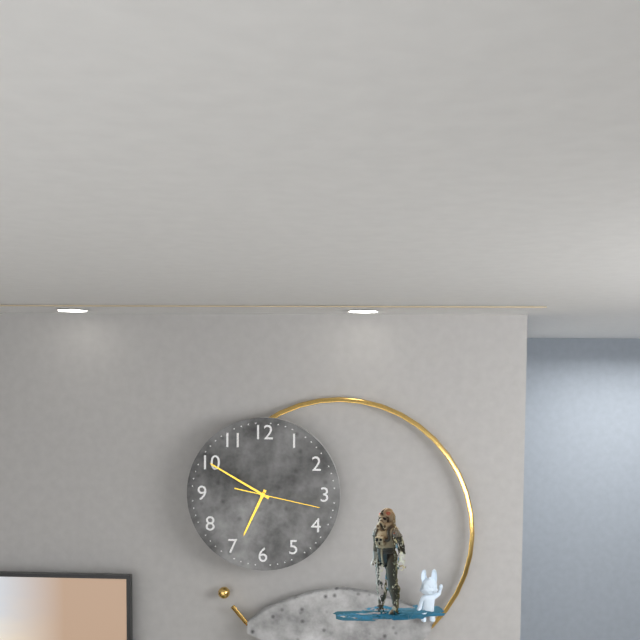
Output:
6.50.17
